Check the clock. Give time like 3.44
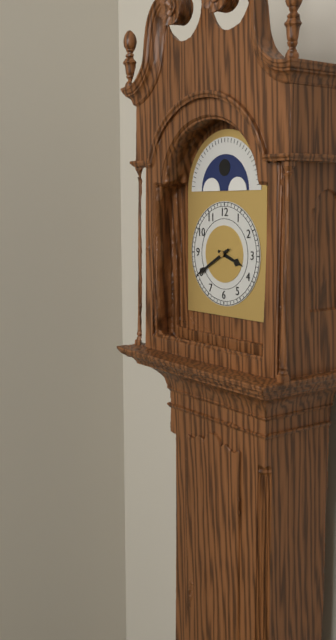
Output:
3.40
